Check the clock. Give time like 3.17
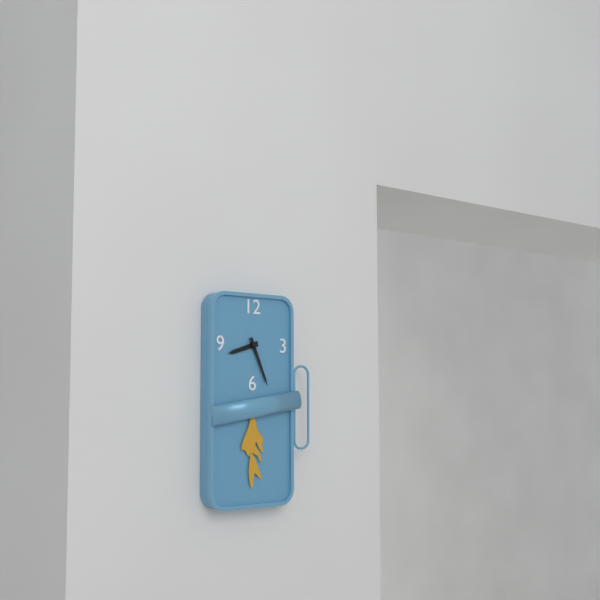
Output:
8.26
